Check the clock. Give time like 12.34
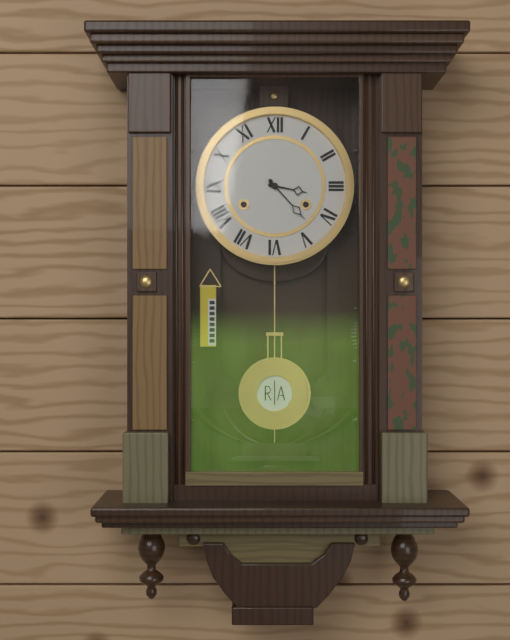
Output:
3.23
